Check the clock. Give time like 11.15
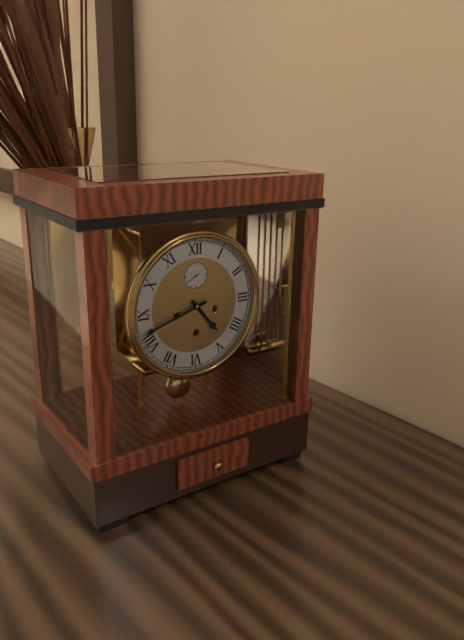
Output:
4.42
